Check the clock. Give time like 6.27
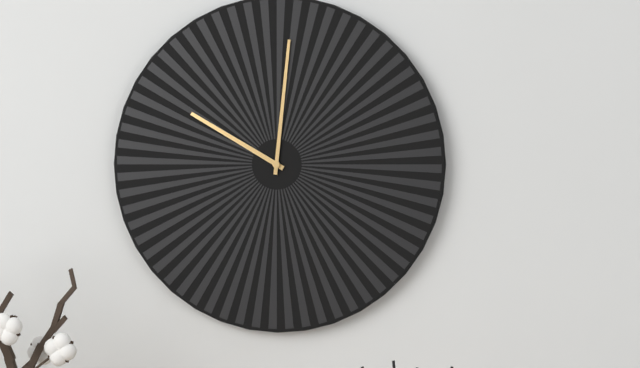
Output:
10.01
